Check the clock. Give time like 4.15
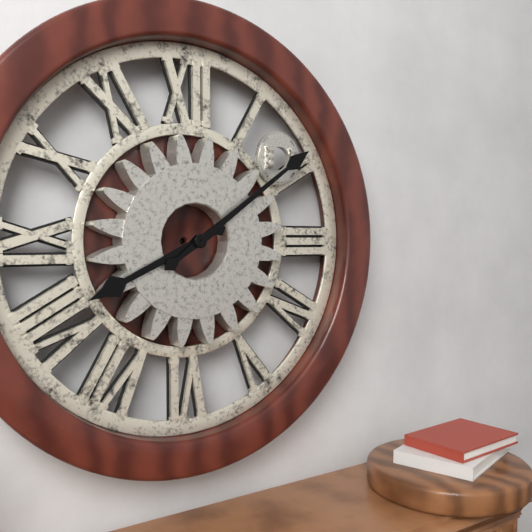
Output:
8.09
